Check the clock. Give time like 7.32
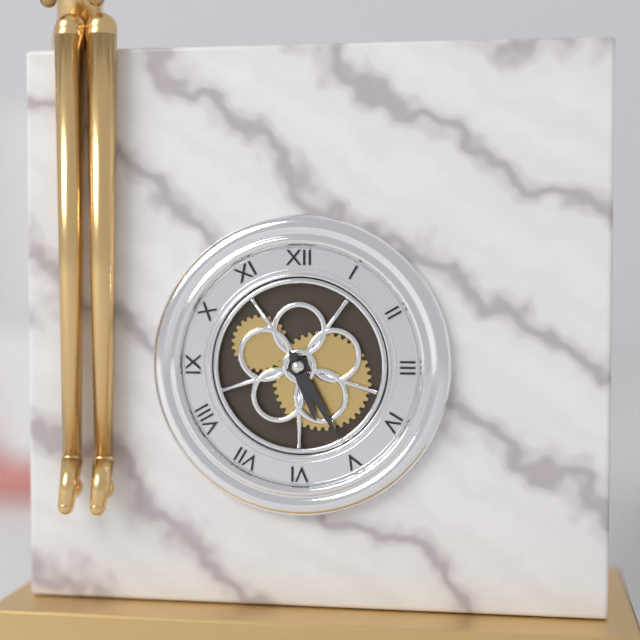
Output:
5.25
